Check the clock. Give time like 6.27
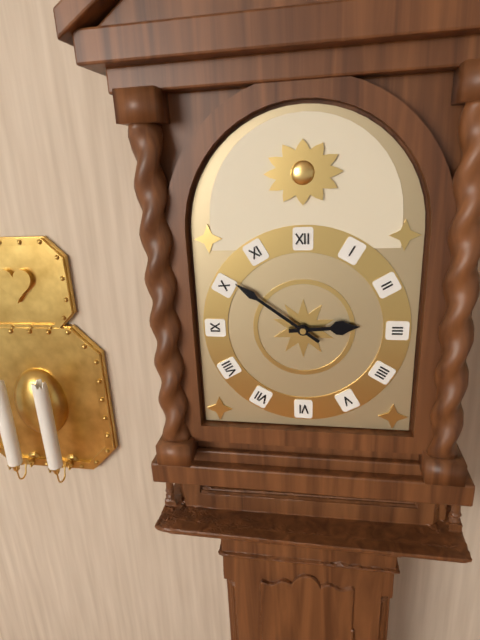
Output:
2.51
